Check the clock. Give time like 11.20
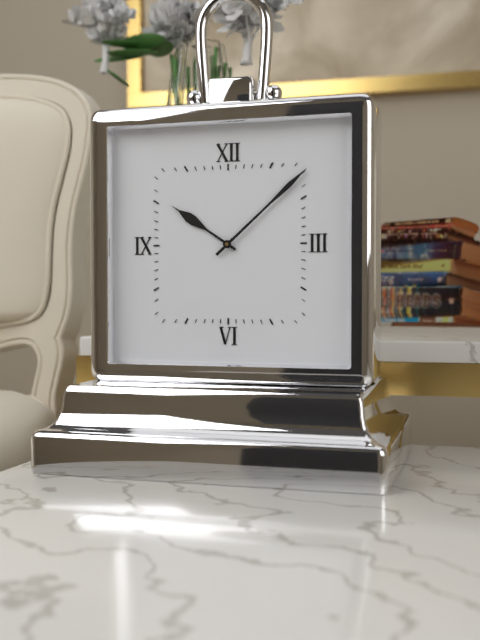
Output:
10.08
